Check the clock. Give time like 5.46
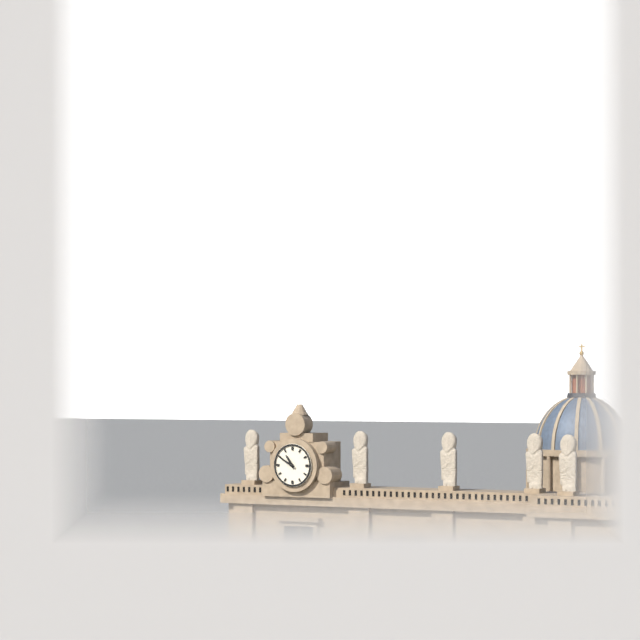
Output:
10.50
